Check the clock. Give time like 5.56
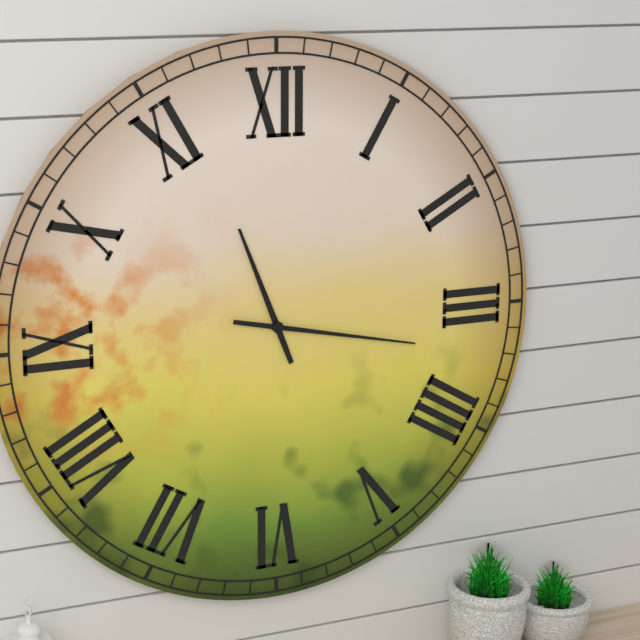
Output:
11.17
